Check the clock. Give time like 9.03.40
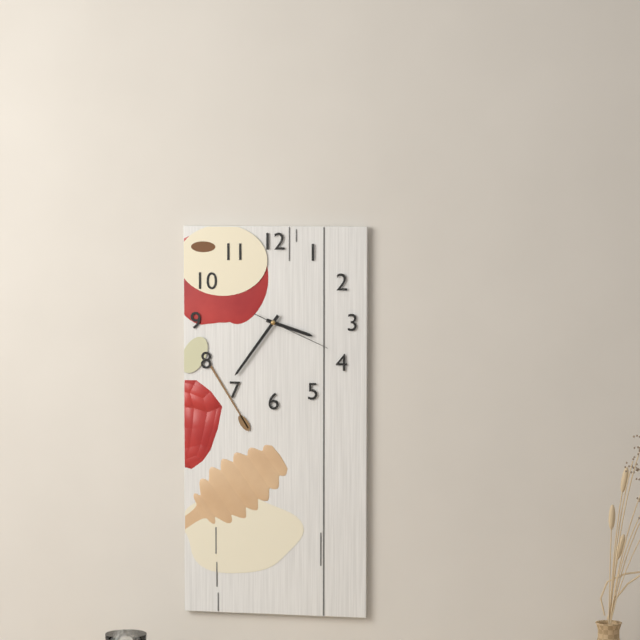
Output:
3.36.19
